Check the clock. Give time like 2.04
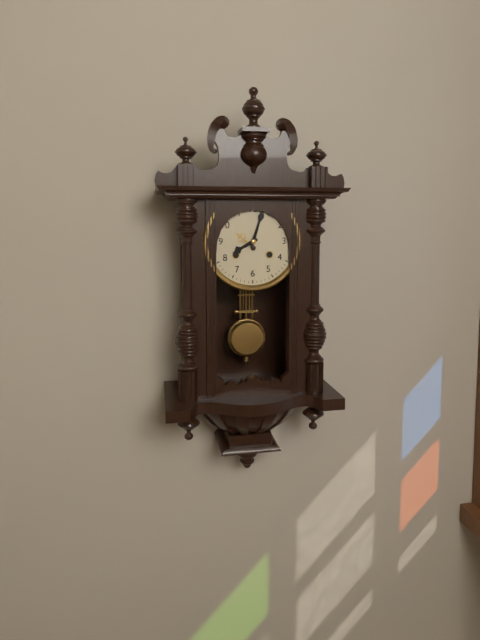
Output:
8.03
